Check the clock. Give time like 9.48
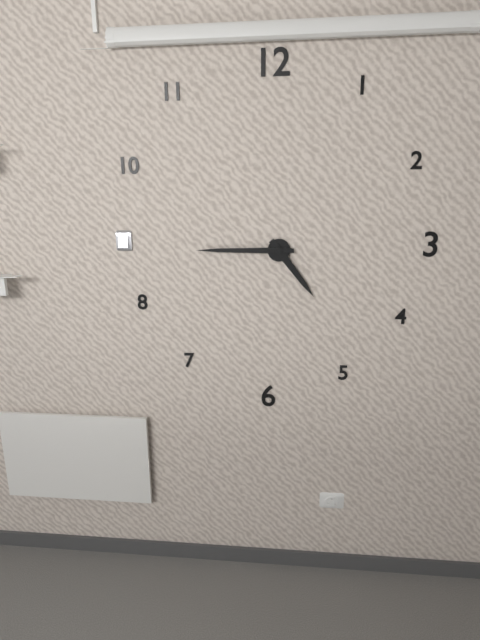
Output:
4.45
